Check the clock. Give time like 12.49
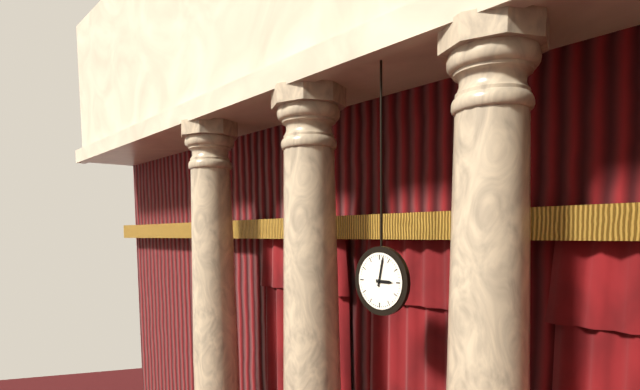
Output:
3.02
